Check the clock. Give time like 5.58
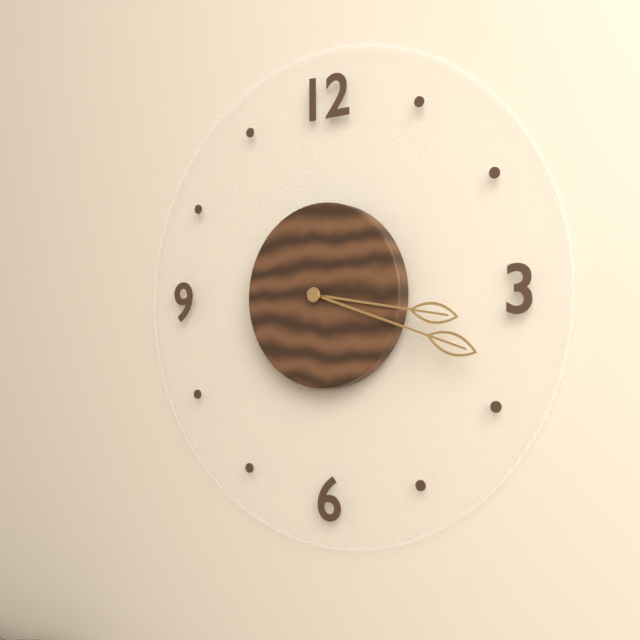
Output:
3.18
